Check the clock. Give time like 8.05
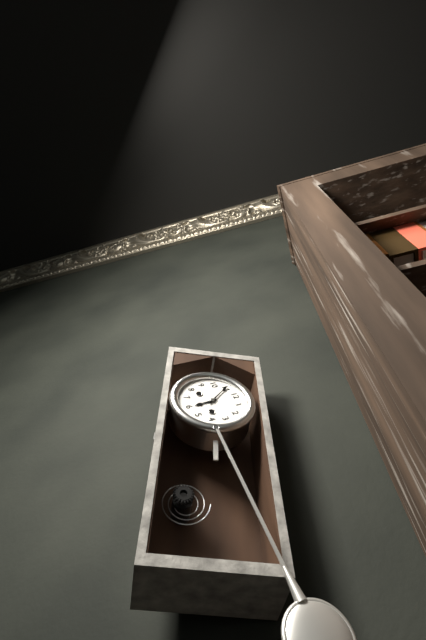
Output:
5.55
